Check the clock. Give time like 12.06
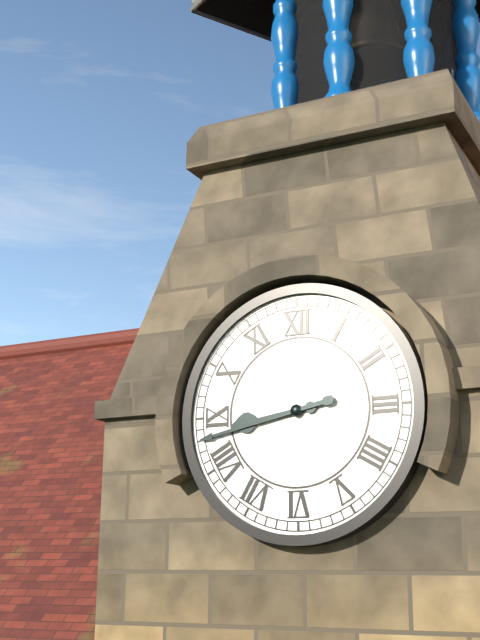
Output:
8.43
